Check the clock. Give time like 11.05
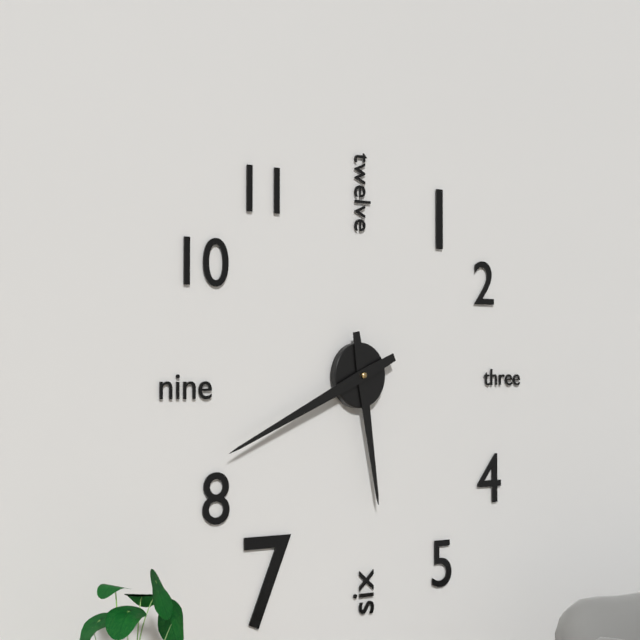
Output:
5.41
